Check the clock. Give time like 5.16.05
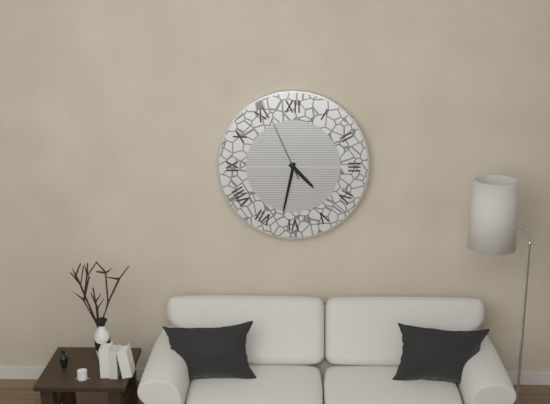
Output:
4.32.56
